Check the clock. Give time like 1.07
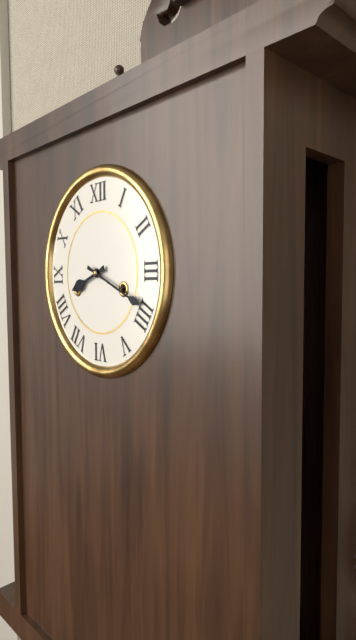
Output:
8.19
